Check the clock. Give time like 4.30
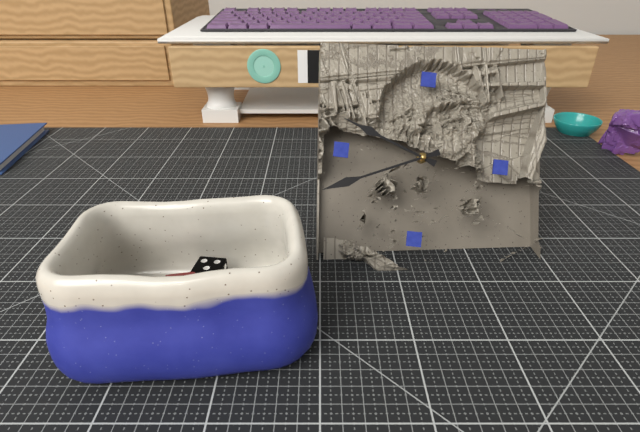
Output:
9.41
